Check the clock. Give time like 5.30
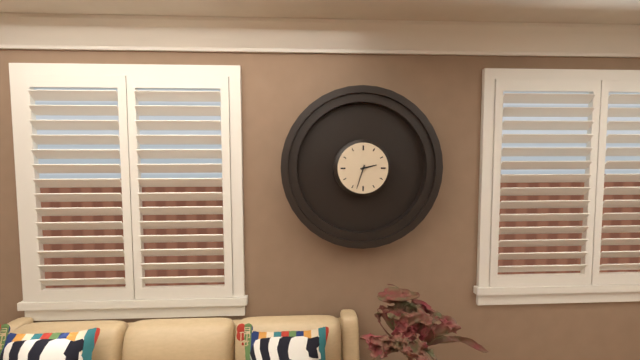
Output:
2.33
